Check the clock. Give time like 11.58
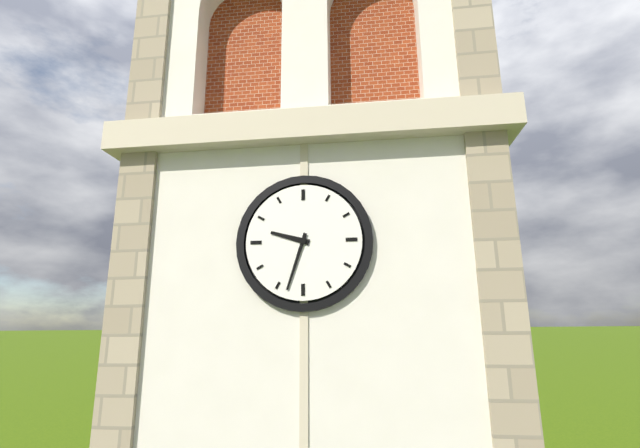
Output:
9.33
